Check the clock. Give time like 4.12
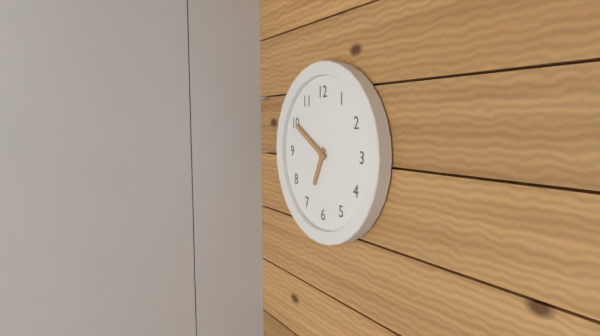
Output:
6.50
